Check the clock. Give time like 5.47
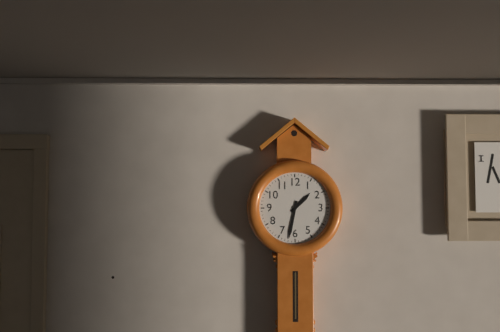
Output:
1.32
